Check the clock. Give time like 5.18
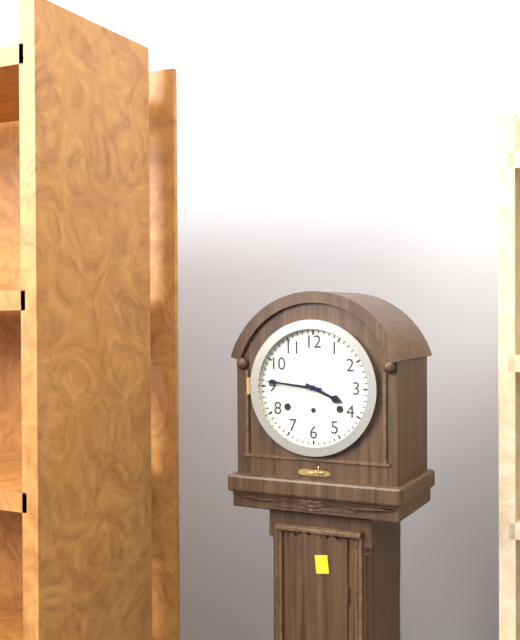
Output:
3.46
